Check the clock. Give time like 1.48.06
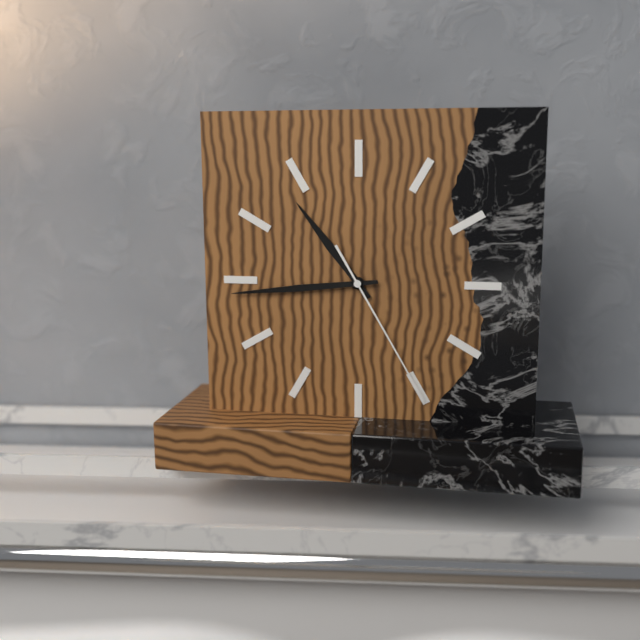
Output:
10.44.25
